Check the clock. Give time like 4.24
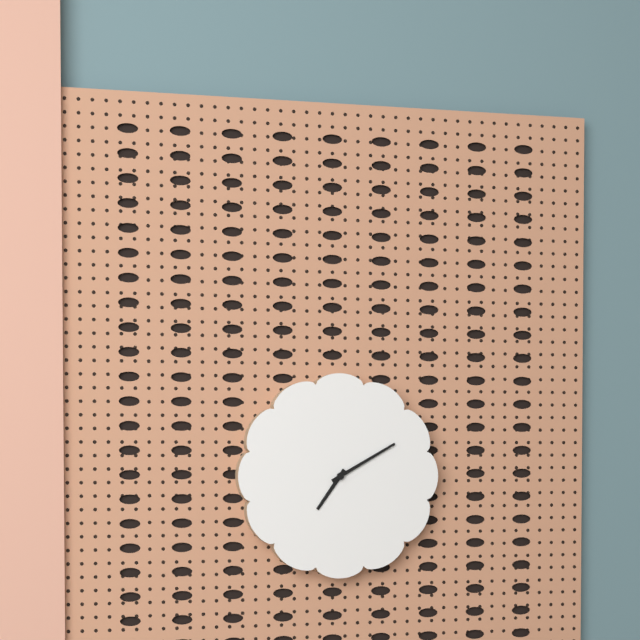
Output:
7.10
